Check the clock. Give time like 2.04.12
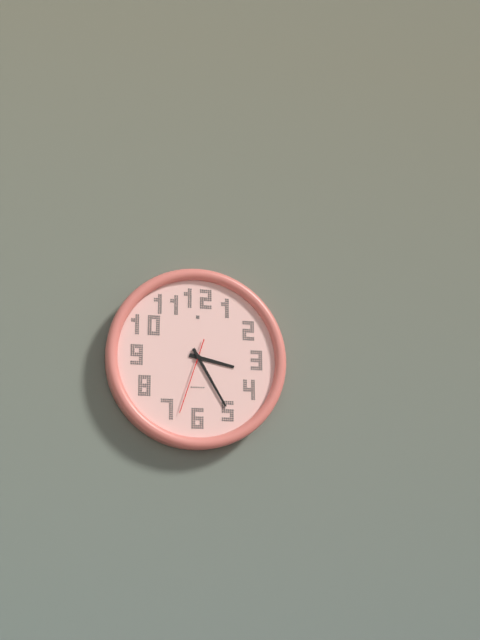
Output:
3.25.33
